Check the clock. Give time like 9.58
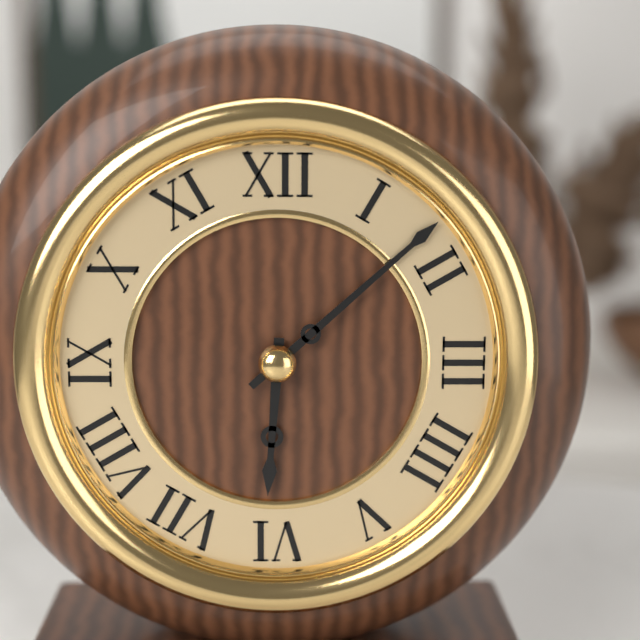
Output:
6.08
